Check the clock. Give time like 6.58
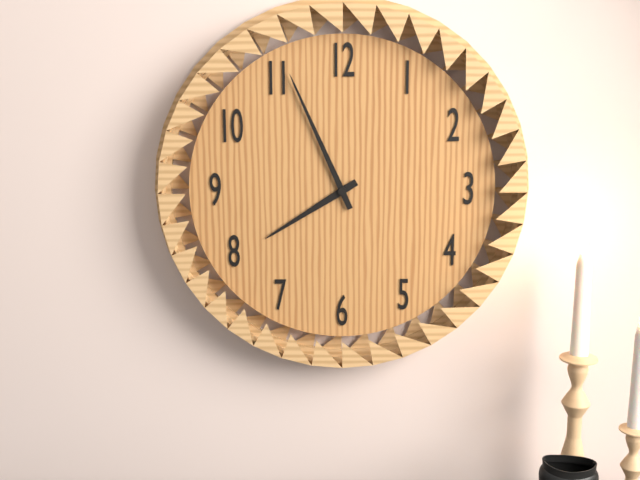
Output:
7.56
